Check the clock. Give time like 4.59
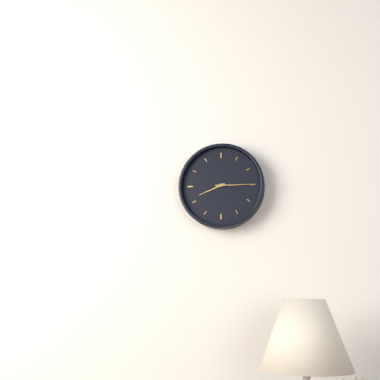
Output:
8.15
